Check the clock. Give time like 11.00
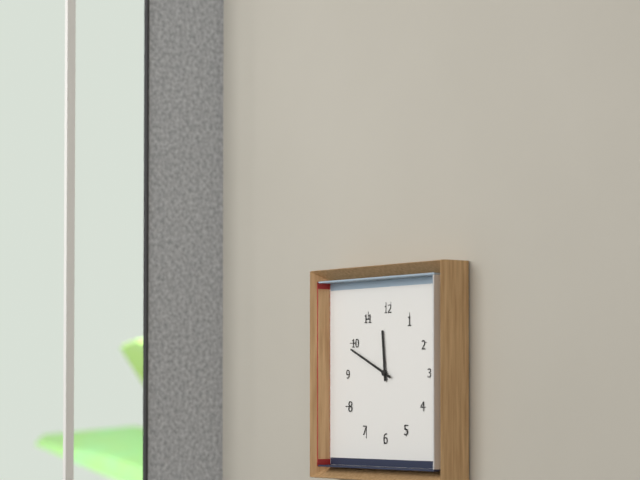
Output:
11.49
